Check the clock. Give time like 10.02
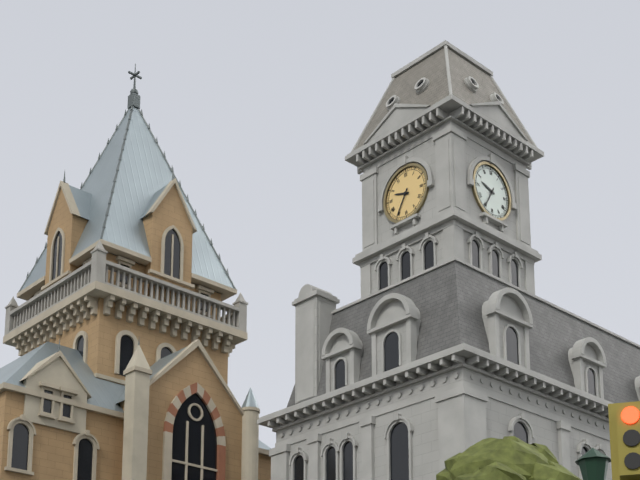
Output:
9.35
